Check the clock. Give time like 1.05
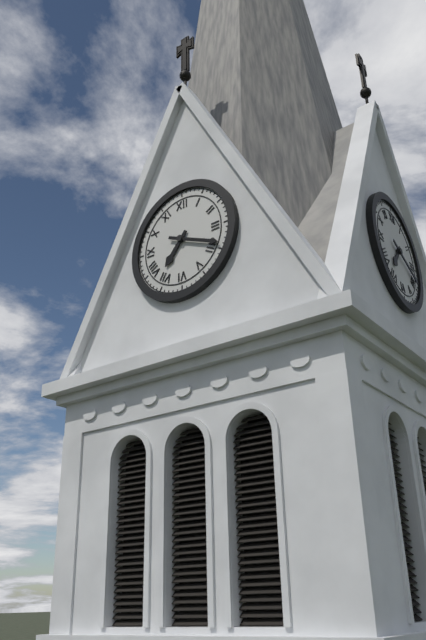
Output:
7.19
